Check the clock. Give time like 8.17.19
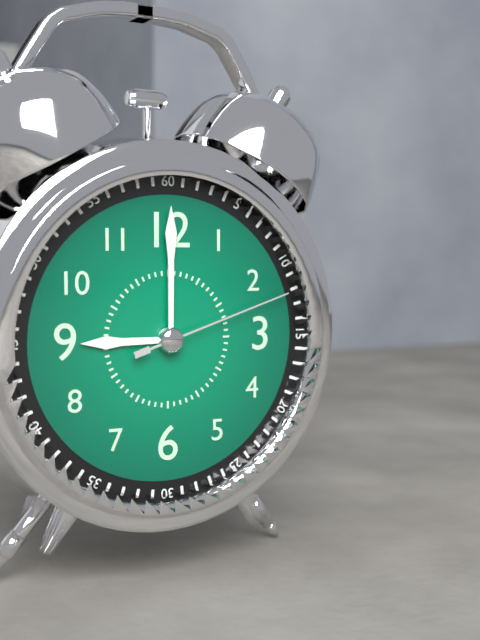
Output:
9.00.12
